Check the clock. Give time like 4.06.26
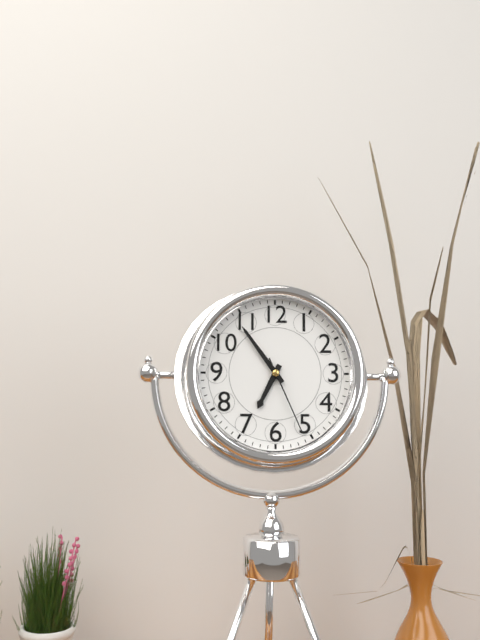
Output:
6.54.26
